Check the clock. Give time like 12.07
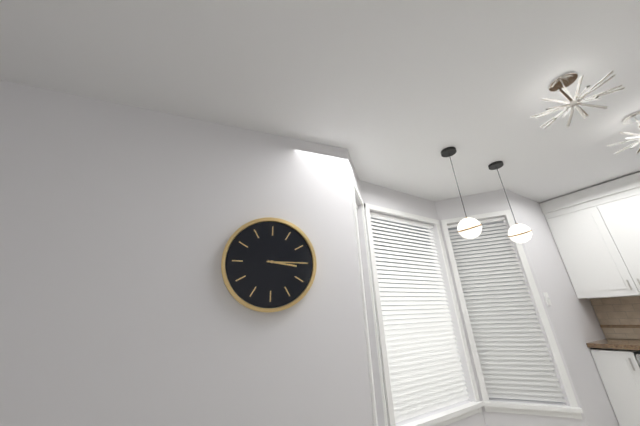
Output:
3.15
